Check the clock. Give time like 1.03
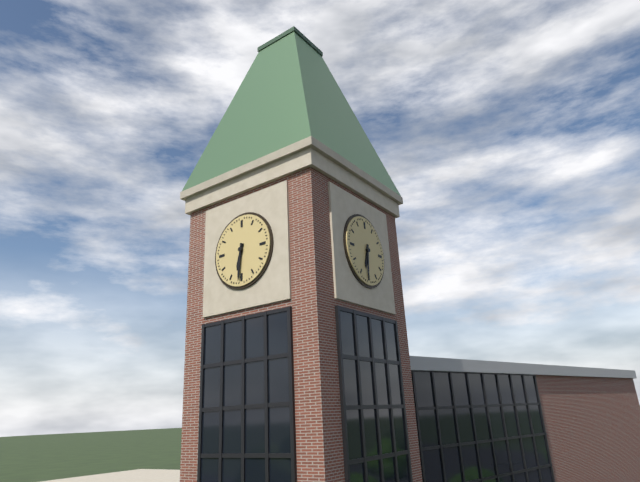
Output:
6.31
